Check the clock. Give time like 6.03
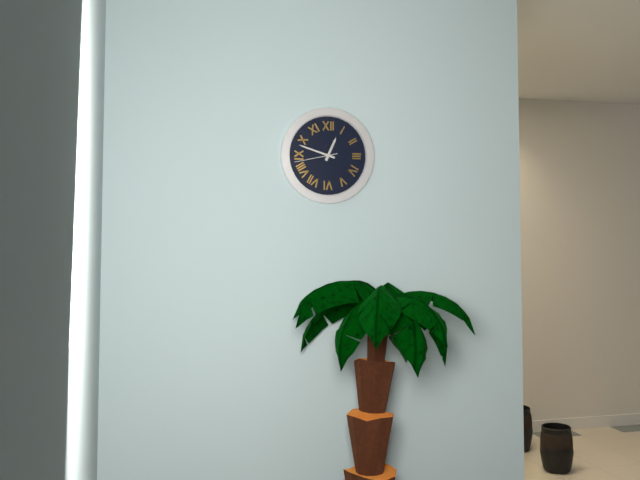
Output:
12.48
